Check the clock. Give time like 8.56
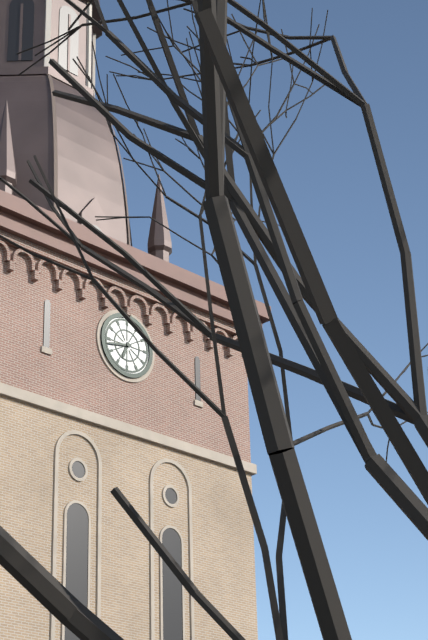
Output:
6.43
